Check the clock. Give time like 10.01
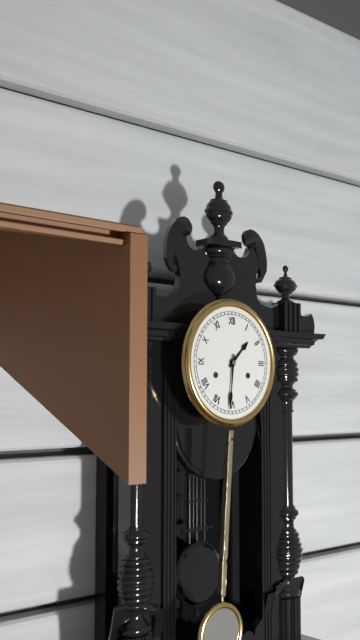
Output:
1.31
